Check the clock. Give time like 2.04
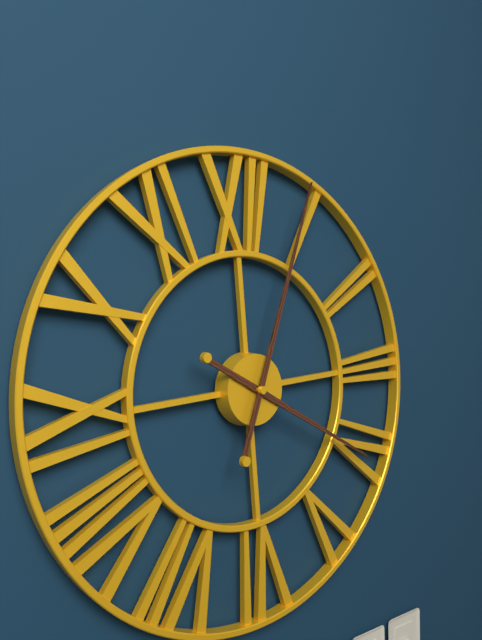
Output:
4.04
